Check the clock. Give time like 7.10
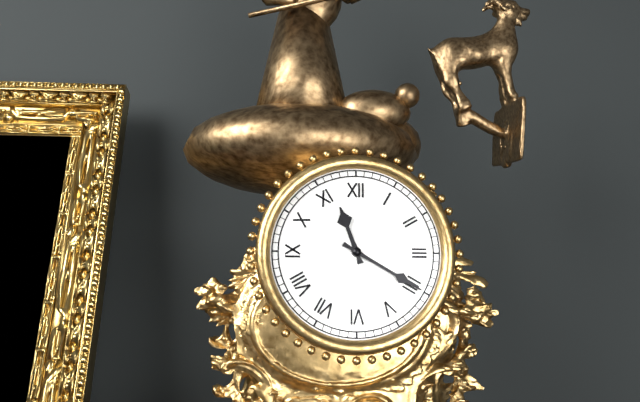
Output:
11.20
